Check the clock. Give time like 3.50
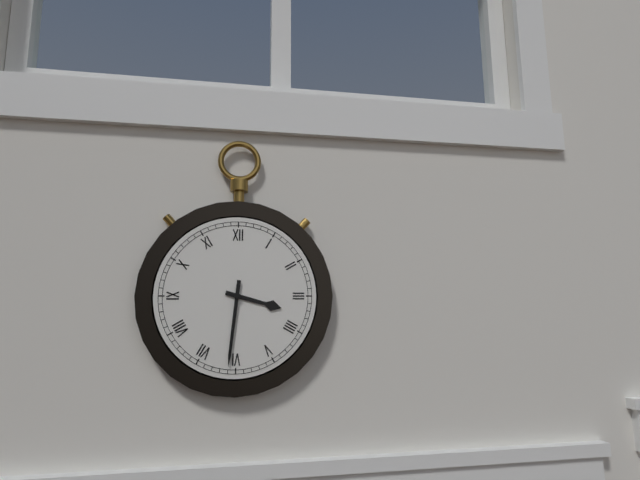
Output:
3.31
